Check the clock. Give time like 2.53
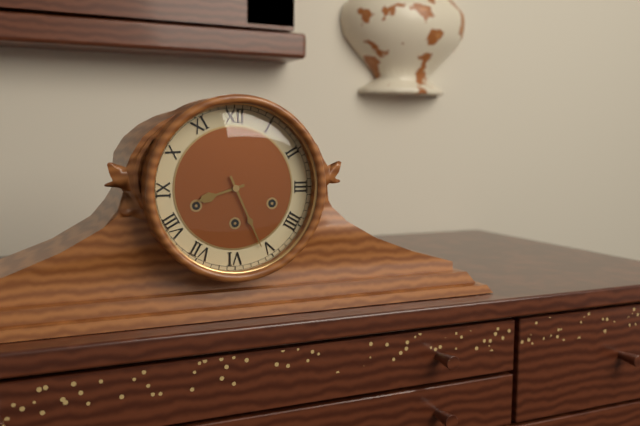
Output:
8.26
